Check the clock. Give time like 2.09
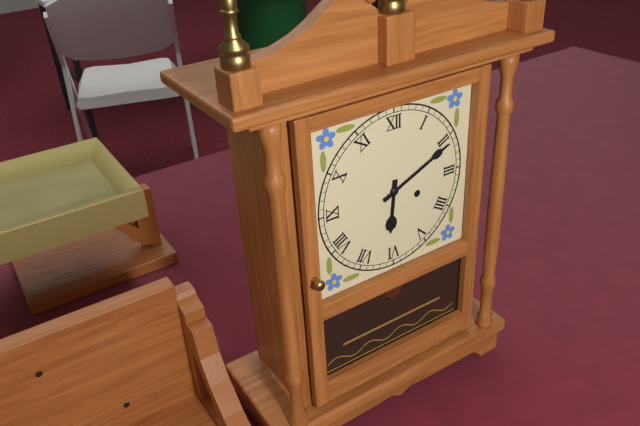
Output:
6.11
